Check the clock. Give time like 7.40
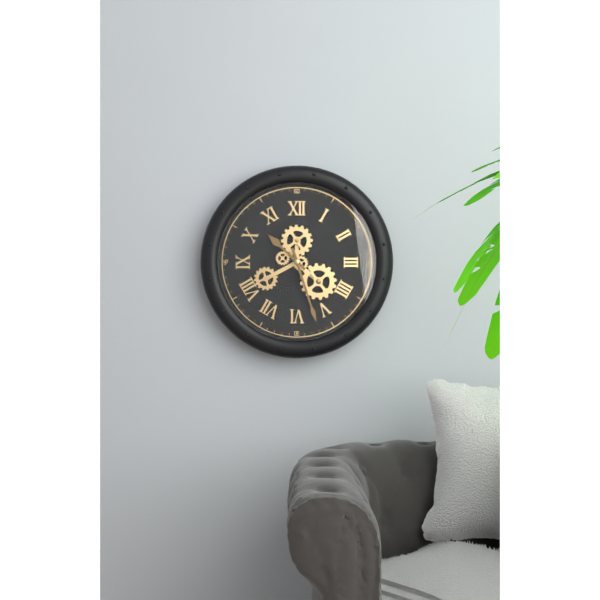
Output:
10.27
